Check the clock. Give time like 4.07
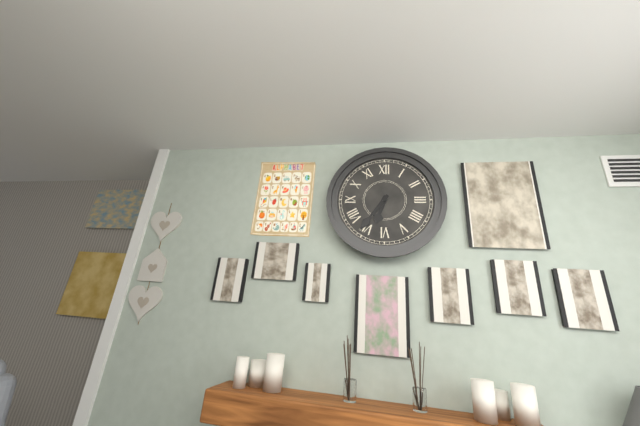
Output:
6.36
